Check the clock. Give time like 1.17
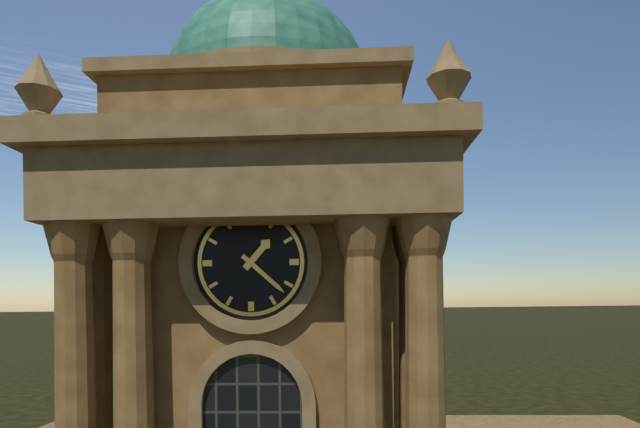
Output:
1.22
